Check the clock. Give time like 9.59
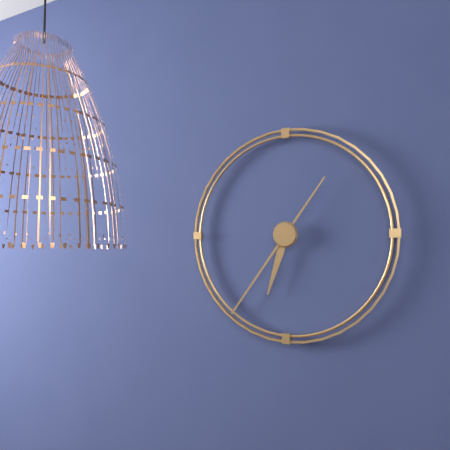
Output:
6.36
